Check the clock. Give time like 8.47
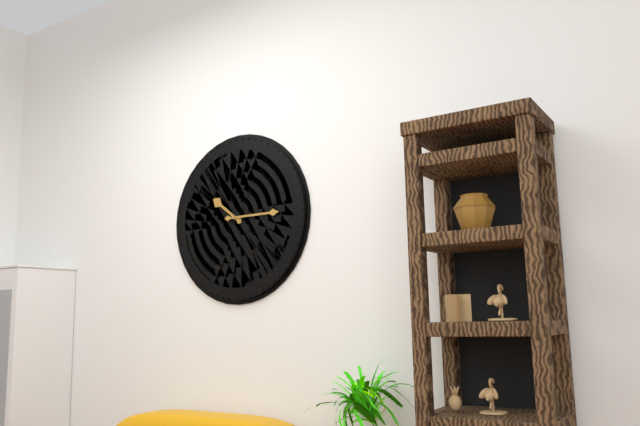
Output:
10.15
